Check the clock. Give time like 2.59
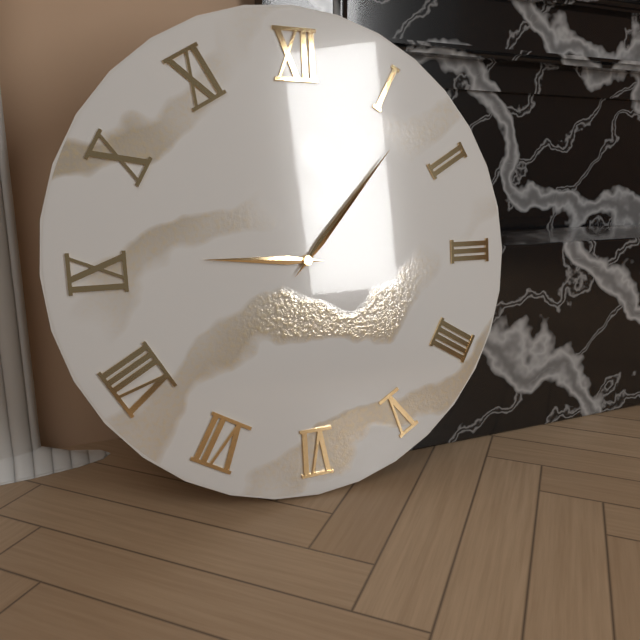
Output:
9.07
